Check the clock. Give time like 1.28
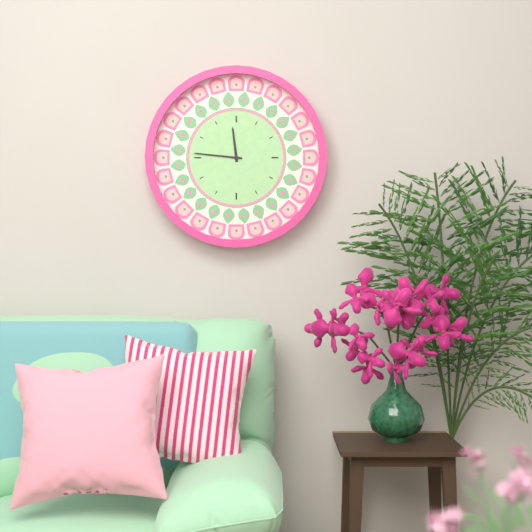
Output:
11.46
